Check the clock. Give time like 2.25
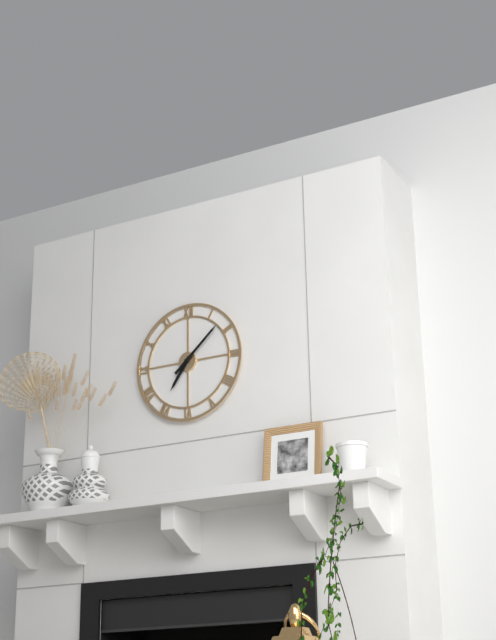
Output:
7.08
